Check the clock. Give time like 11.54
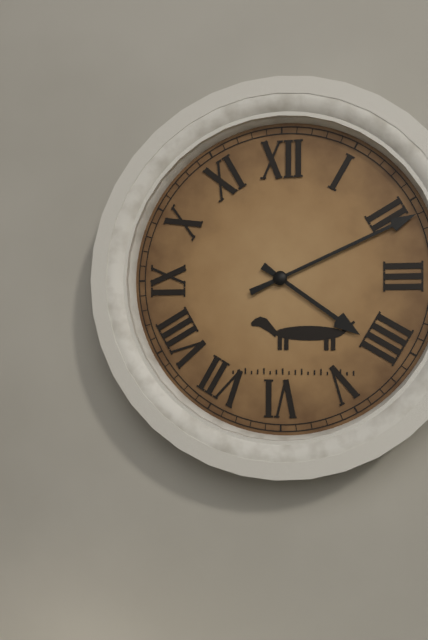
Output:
4.11
